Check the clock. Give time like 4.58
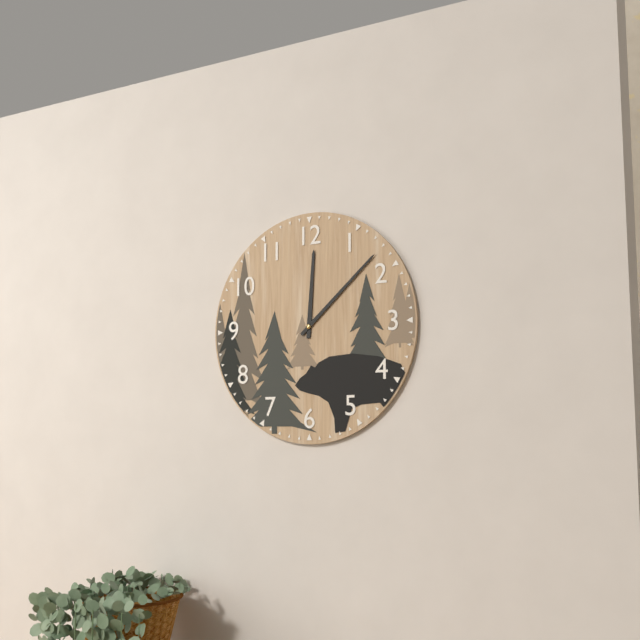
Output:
12.08
